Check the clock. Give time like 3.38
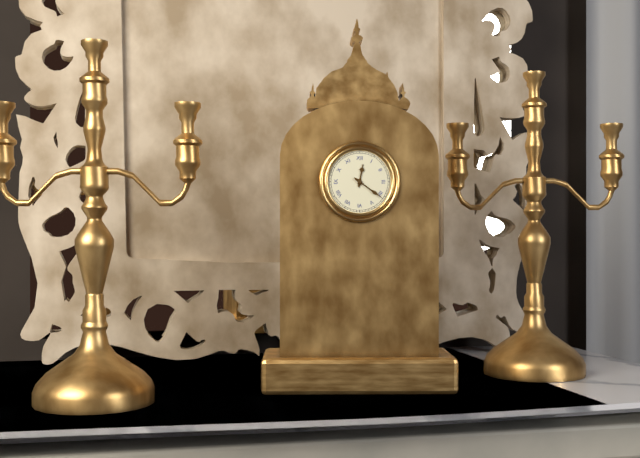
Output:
12.21
